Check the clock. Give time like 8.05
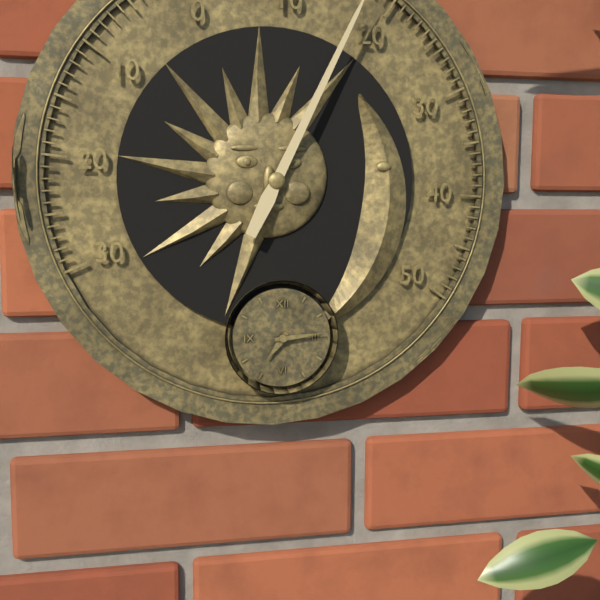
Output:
7.14
